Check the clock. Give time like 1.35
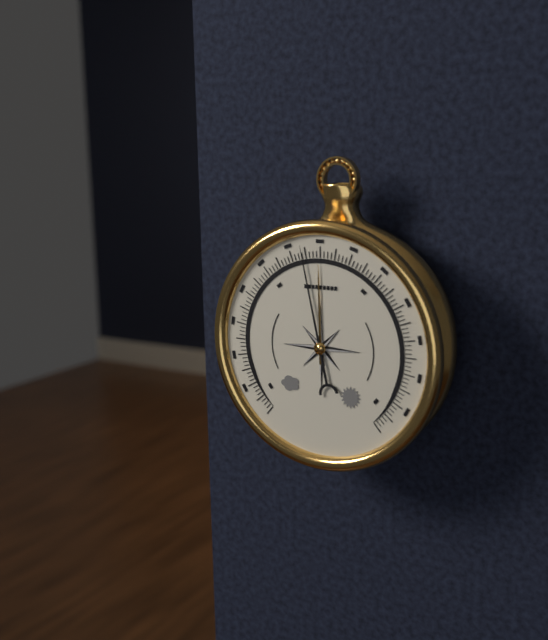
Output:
11.58
